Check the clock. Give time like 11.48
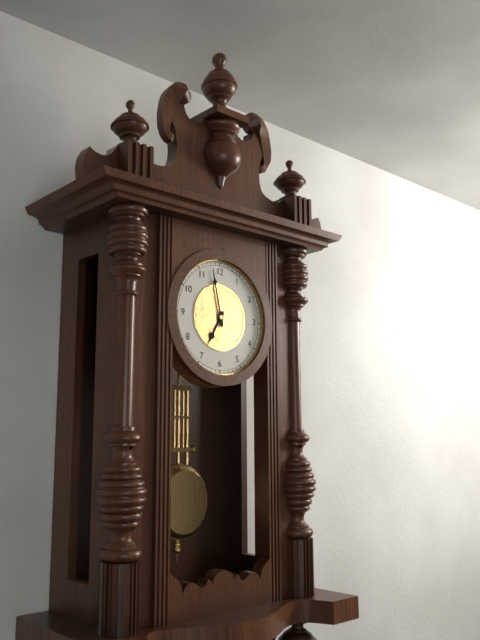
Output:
6.58
